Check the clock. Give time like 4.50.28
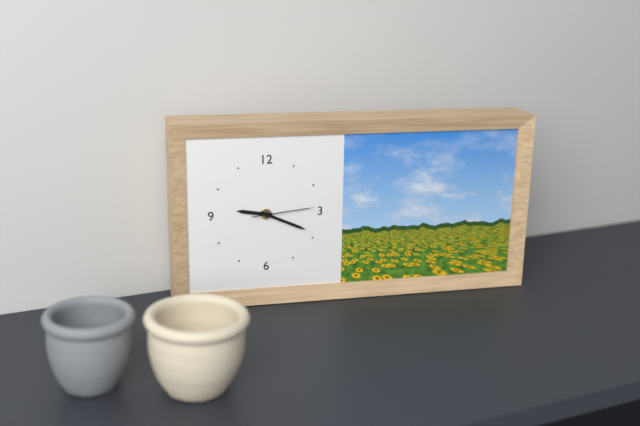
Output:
9.19.14
